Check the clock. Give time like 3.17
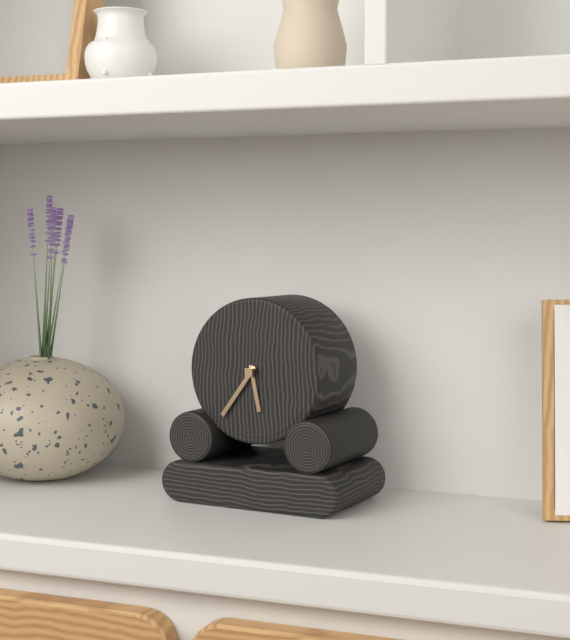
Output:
5.36
